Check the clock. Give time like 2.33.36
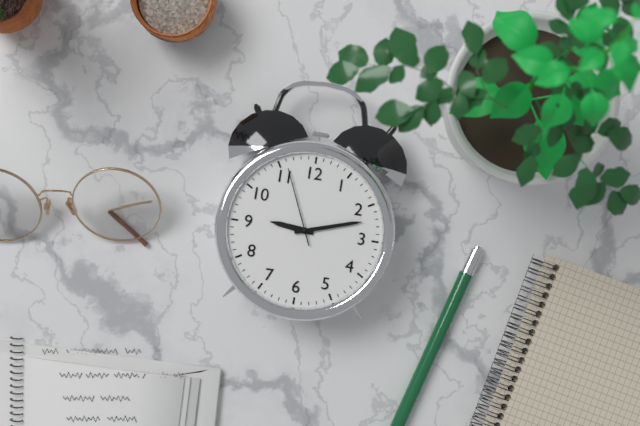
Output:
9.12.56
